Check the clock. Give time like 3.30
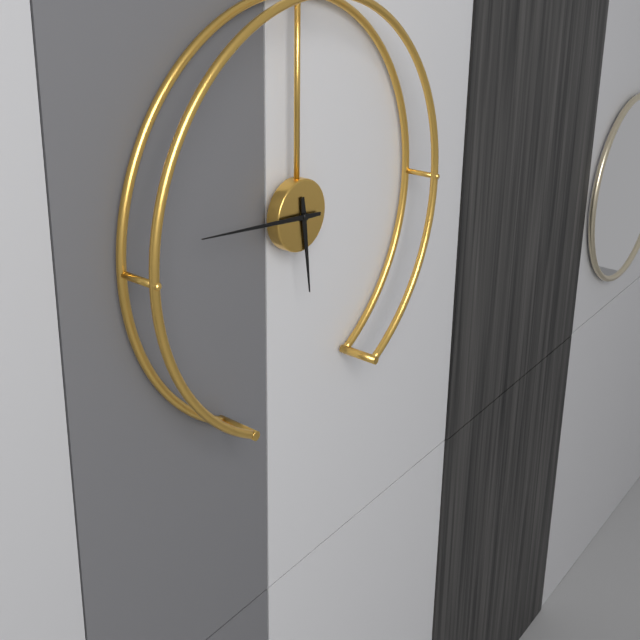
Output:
5.46
